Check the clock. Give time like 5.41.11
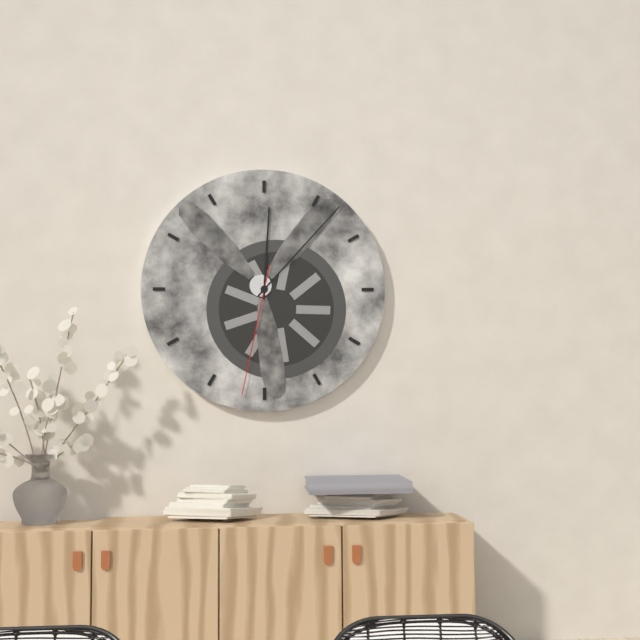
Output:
12.07.32
